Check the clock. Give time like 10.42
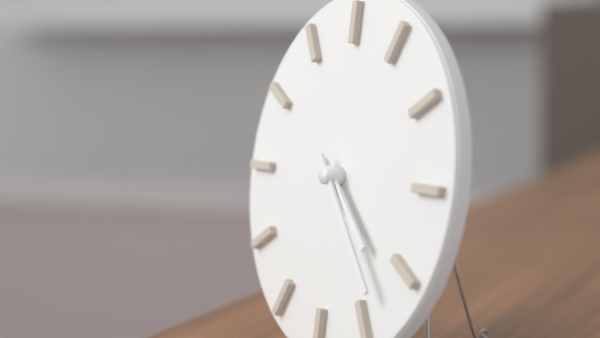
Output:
4.23
